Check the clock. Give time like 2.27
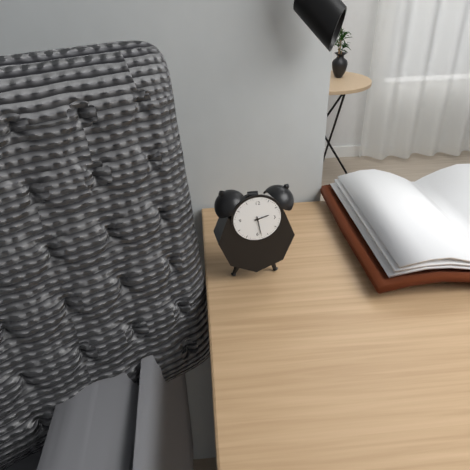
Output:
2.28
